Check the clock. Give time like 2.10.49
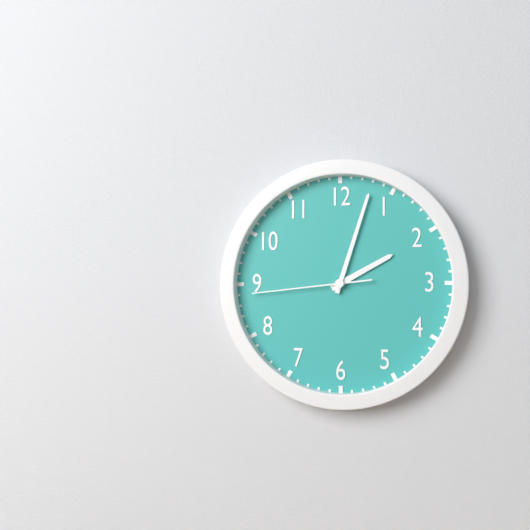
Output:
2.03.44
